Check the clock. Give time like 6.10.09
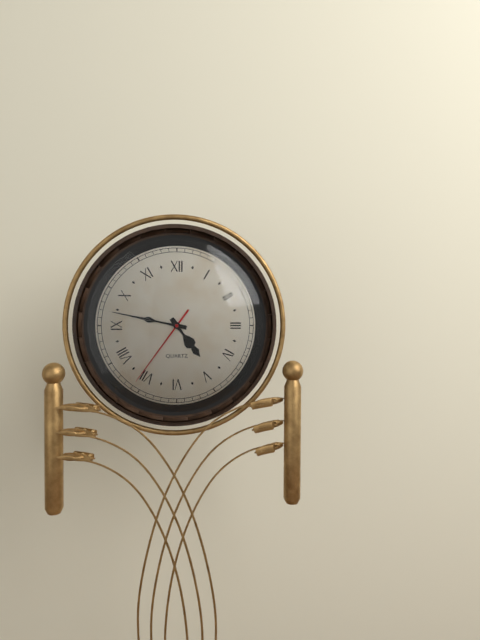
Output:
4.47.36
